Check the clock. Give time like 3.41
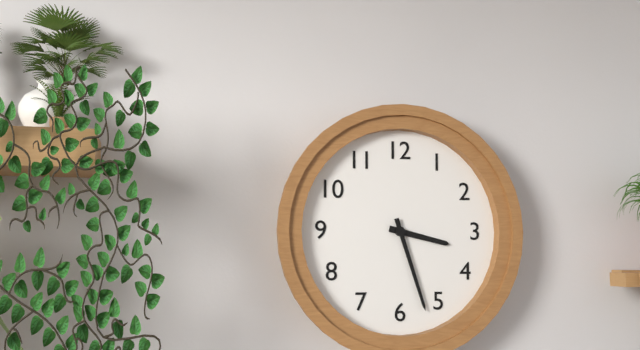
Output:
3.27
